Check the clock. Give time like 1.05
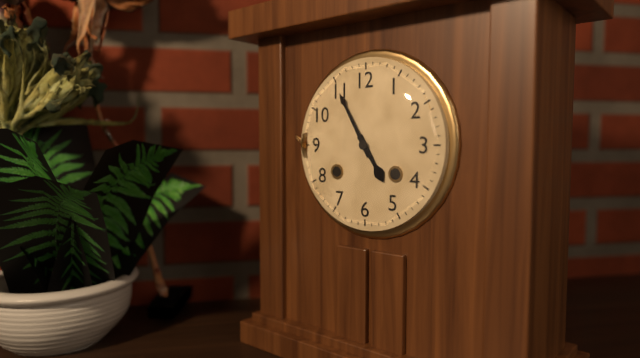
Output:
4.55
